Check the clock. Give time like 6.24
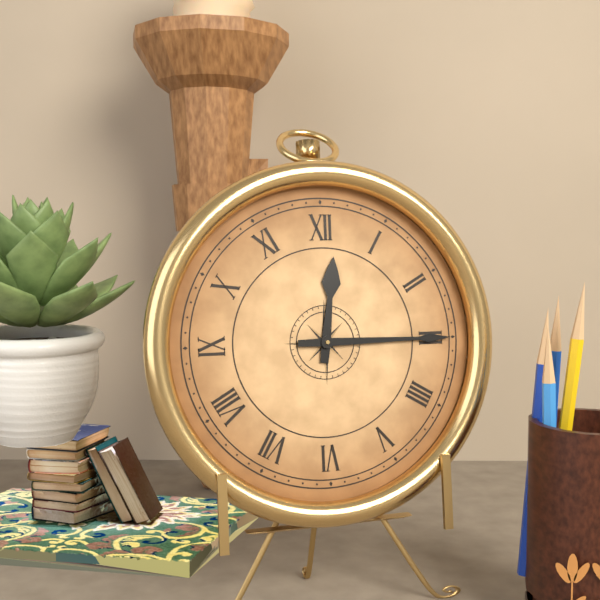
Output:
12.15
